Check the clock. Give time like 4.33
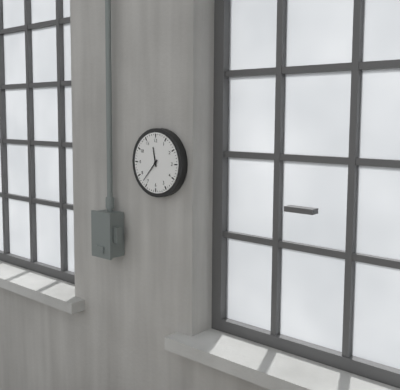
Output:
11.37
